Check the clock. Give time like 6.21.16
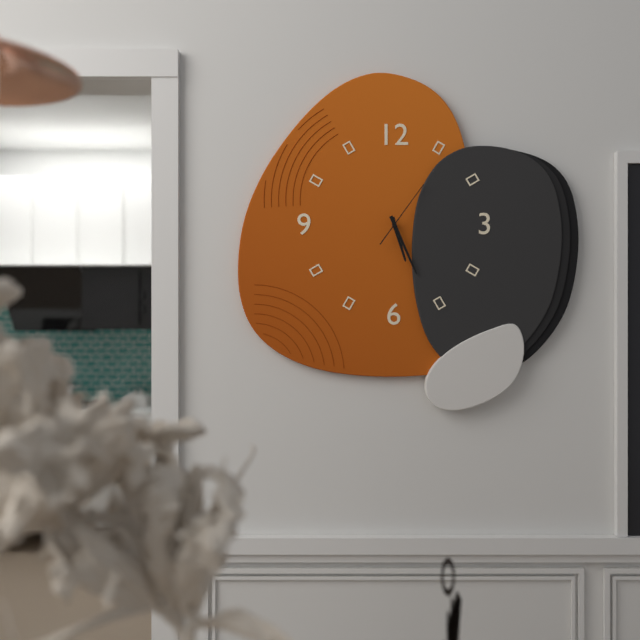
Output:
5.26.06
